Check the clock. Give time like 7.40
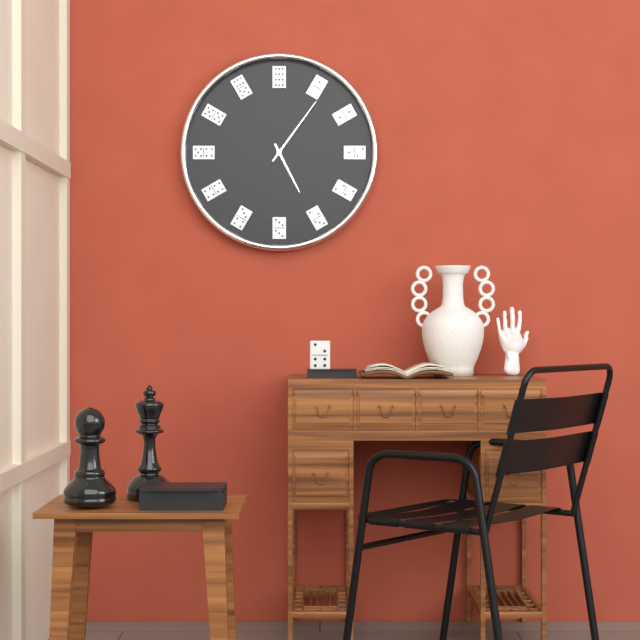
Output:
5.06
